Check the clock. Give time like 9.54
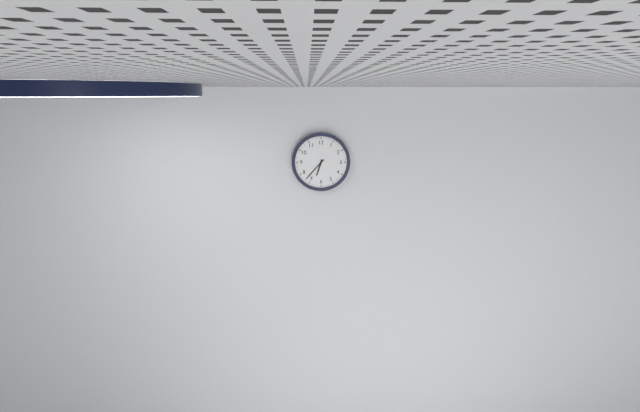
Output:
6.37
